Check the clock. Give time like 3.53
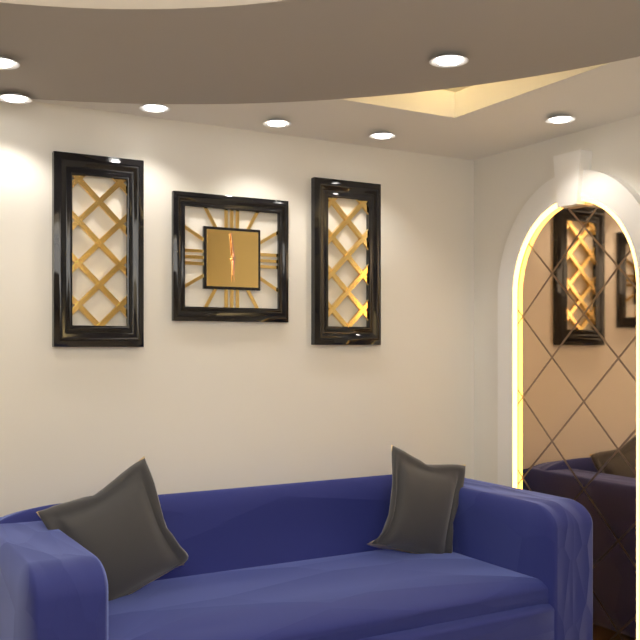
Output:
5.59
